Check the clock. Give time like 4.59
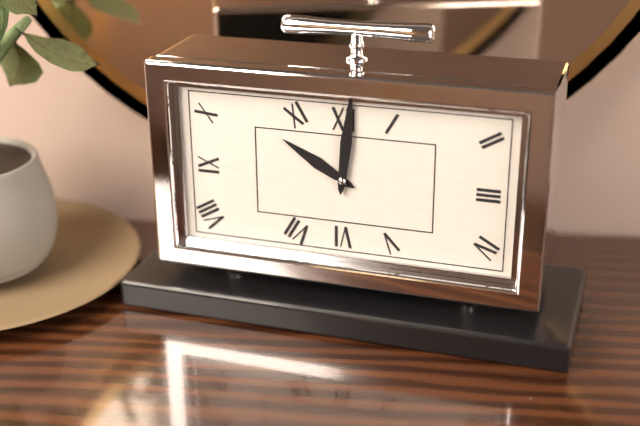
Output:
10.01
